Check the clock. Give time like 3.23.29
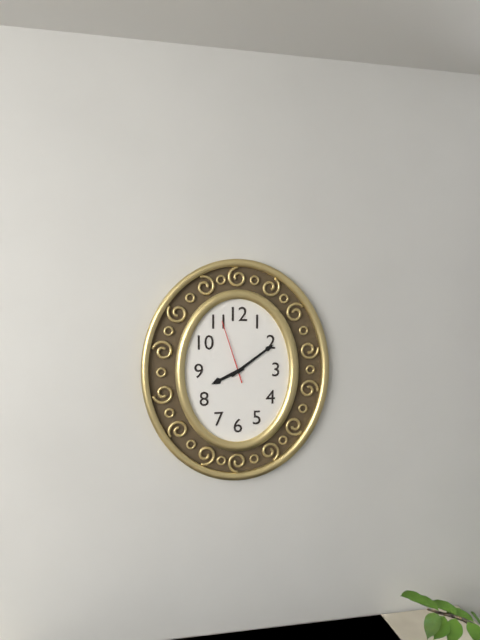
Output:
8.09.57
